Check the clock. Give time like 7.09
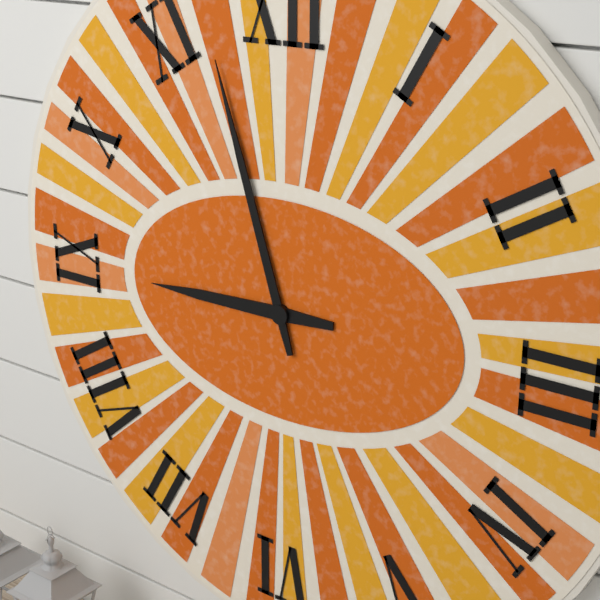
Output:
8.57
